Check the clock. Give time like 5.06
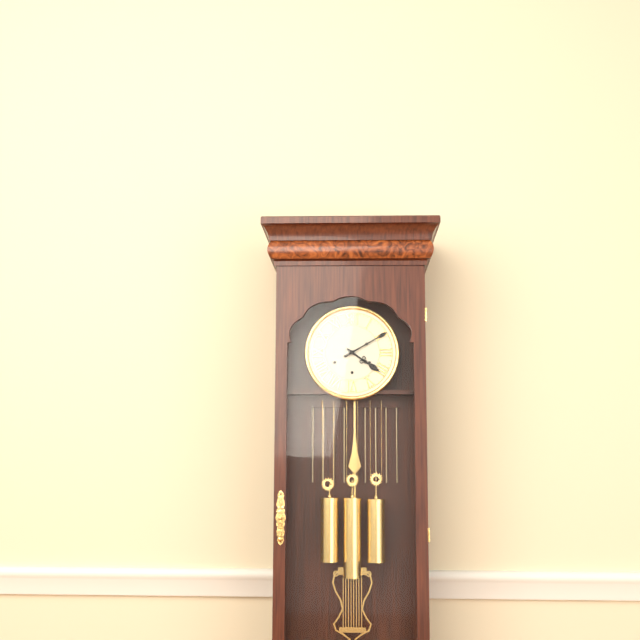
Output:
4.10
